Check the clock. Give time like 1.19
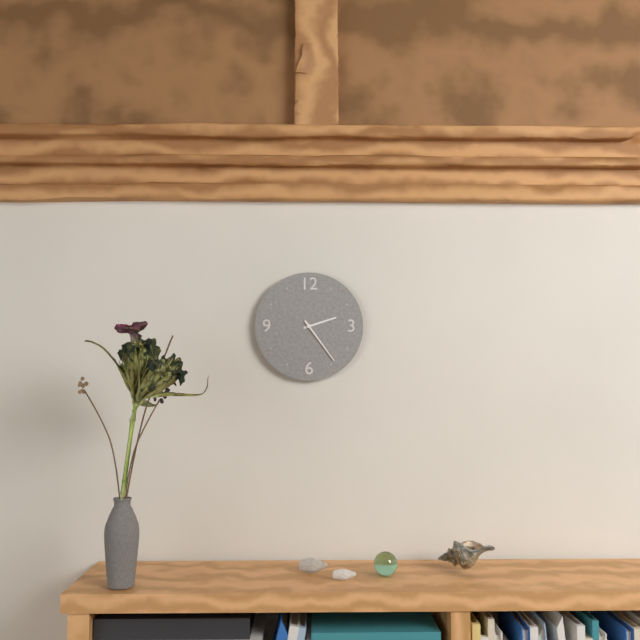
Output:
2.24
